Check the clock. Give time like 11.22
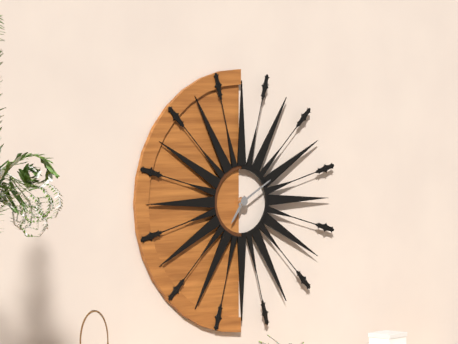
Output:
7.10
